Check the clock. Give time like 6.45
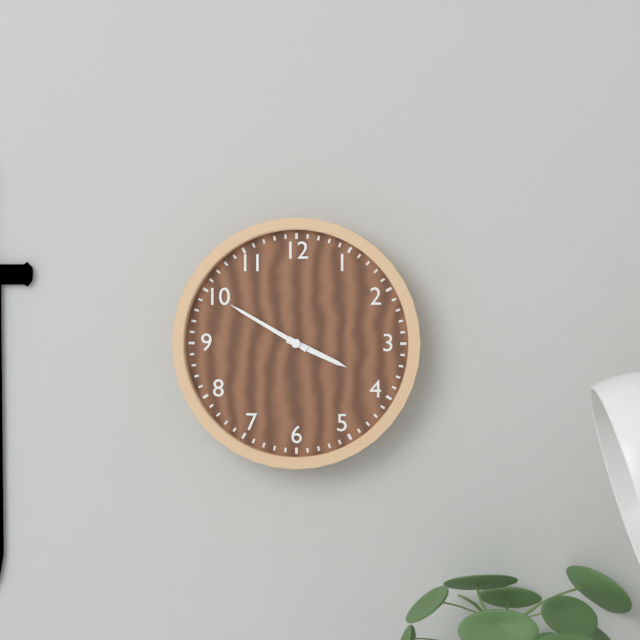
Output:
3.50
